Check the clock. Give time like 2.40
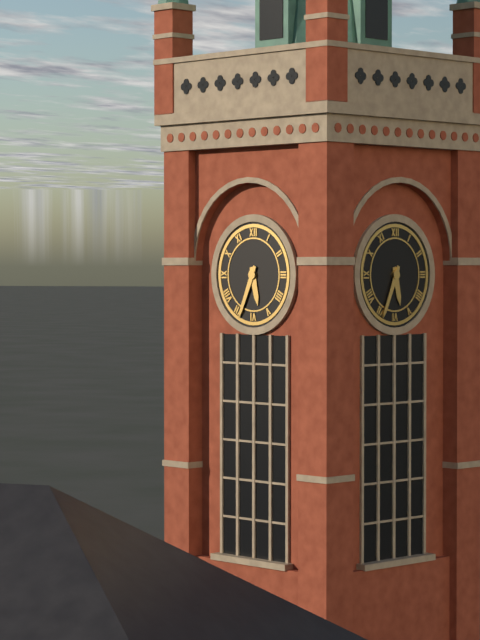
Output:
5.34
